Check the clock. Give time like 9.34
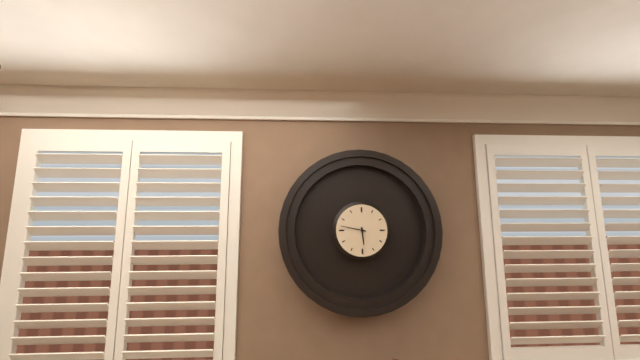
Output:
5.47
